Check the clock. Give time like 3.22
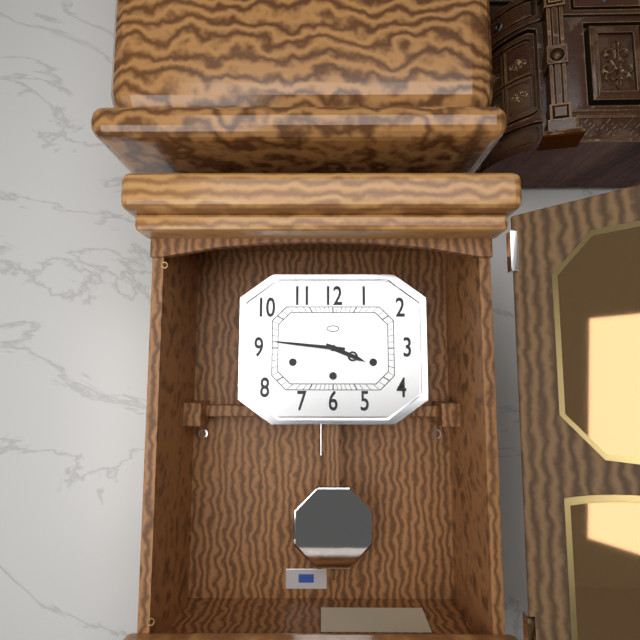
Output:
3.46
